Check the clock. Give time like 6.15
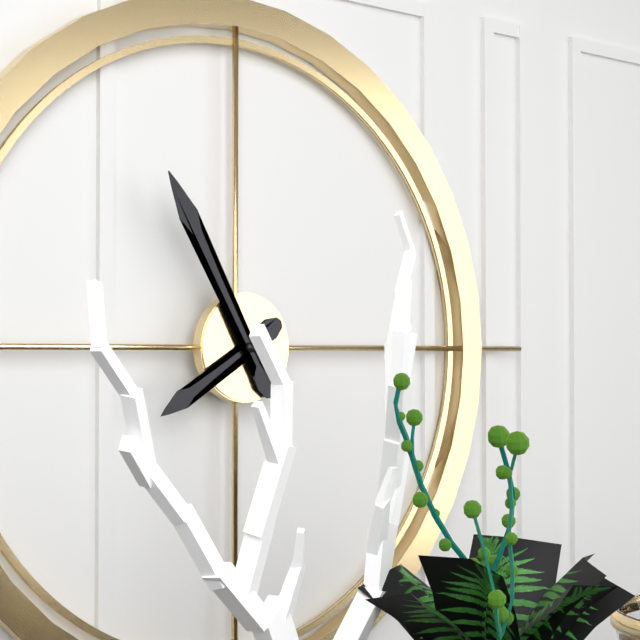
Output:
7.55
